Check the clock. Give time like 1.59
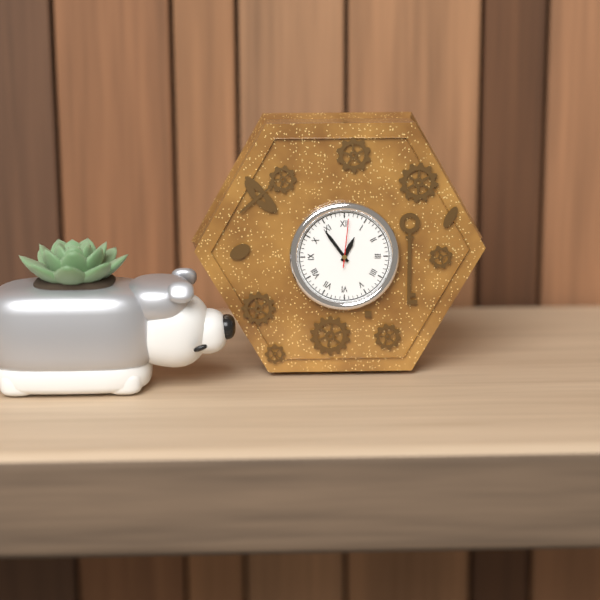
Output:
12.54
